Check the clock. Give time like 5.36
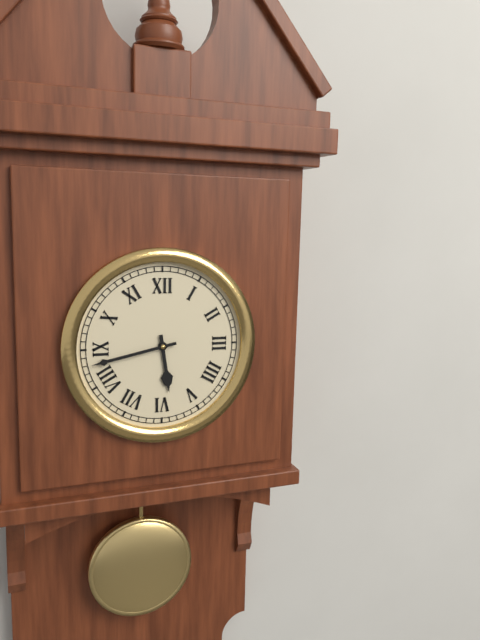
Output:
5.43
